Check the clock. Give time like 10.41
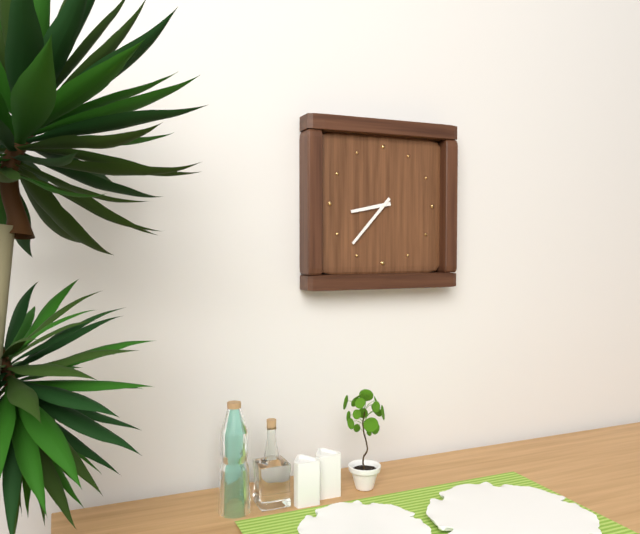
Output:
8.37
